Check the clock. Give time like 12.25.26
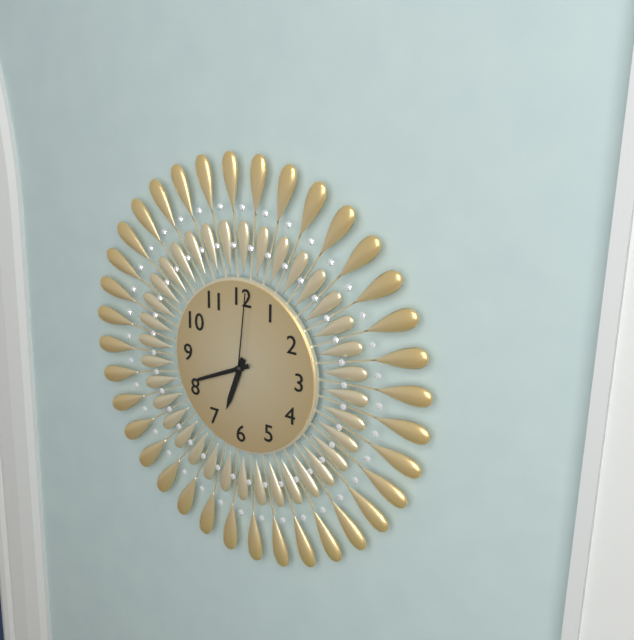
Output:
6.41.01
